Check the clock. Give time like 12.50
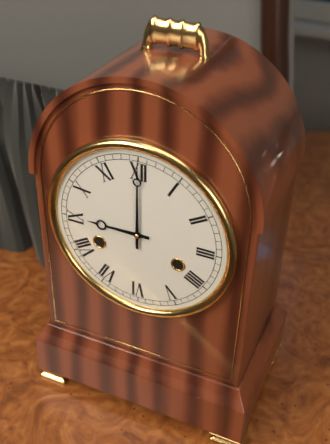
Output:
9.00
